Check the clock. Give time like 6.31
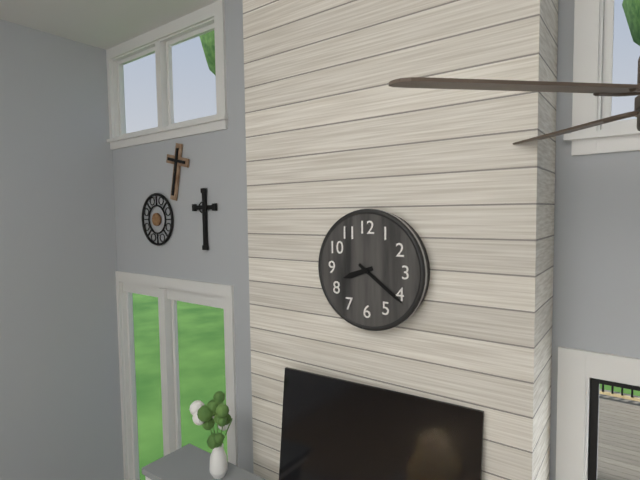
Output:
8.21
